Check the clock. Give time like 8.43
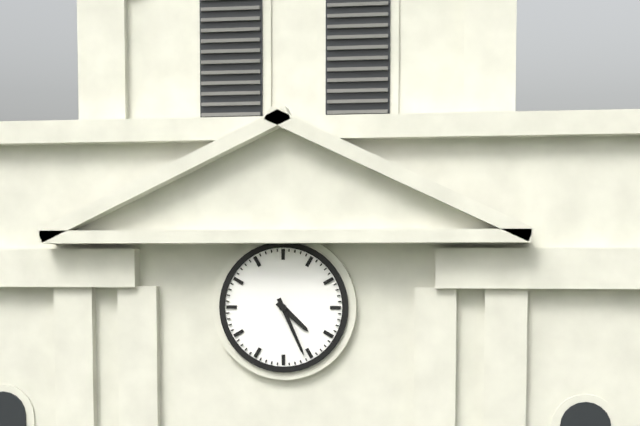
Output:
4.26
